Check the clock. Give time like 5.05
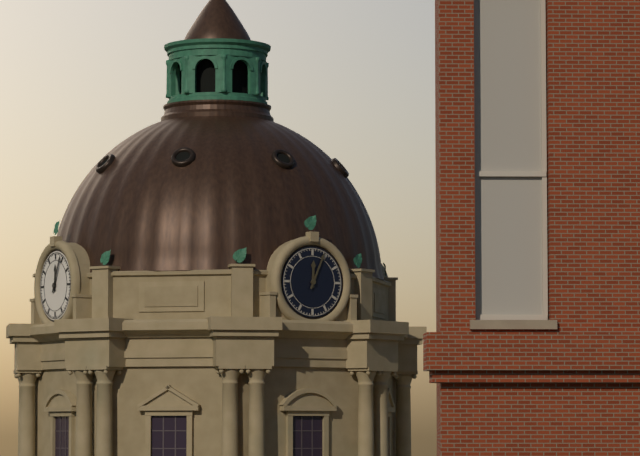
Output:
12.04
